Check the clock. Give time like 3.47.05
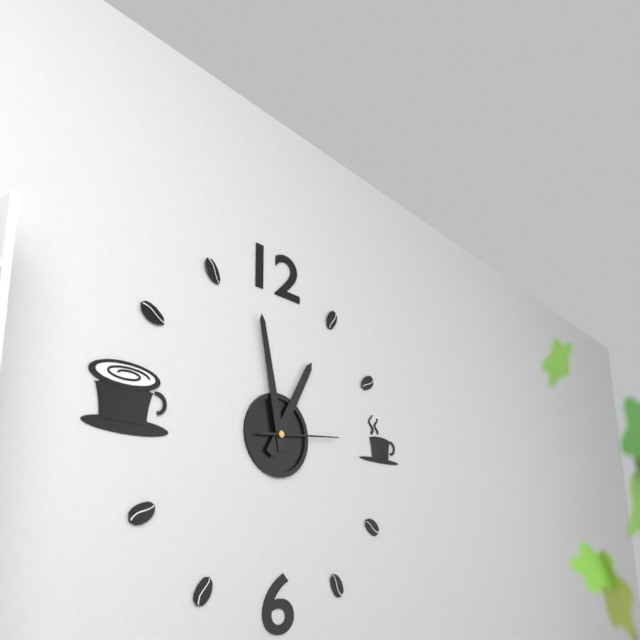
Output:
12.58.14
